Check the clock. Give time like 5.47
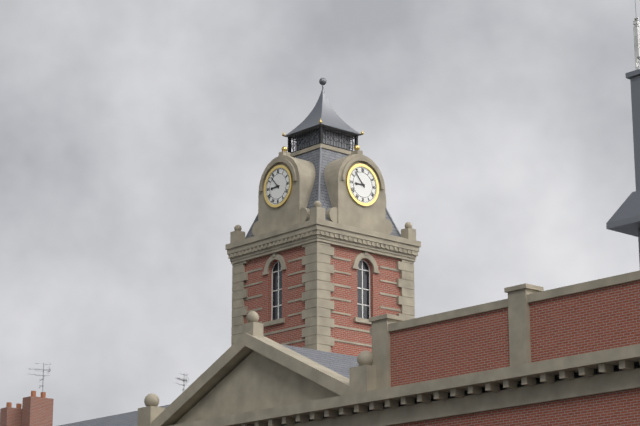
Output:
8.53
